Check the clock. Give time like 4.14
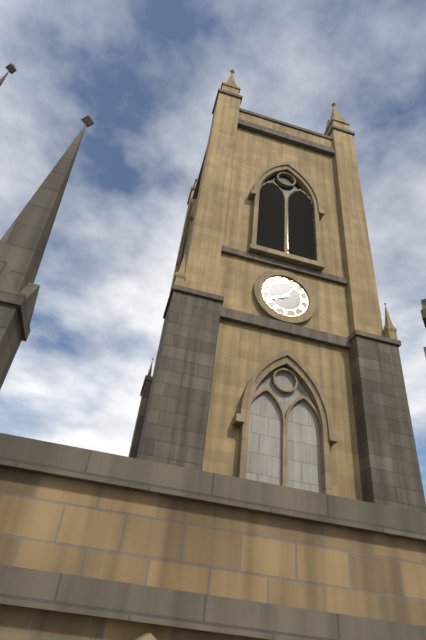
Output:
8.06
